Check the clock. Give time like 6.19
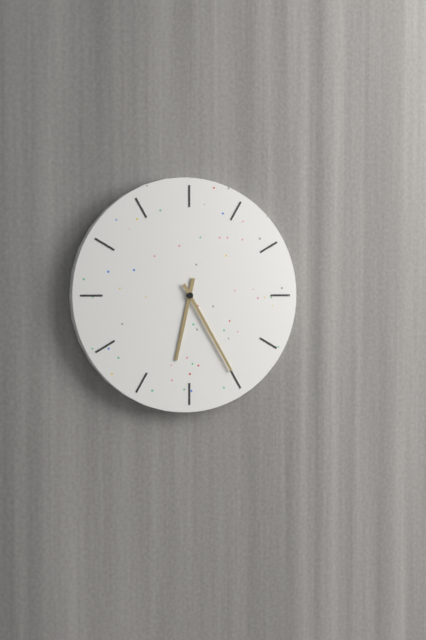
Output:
6.25
